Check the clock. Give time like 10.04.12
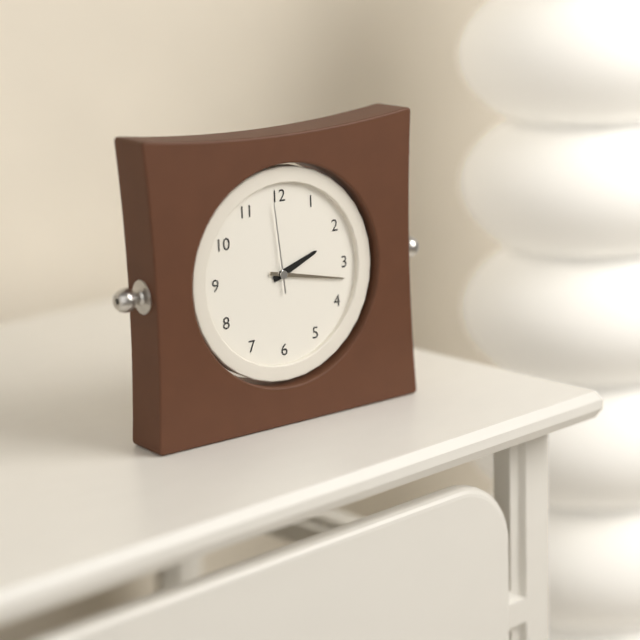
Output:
2.17.59
